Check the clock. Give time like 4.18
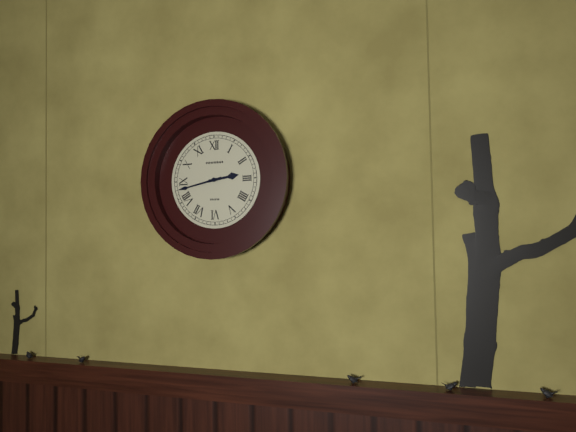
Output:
2.43
